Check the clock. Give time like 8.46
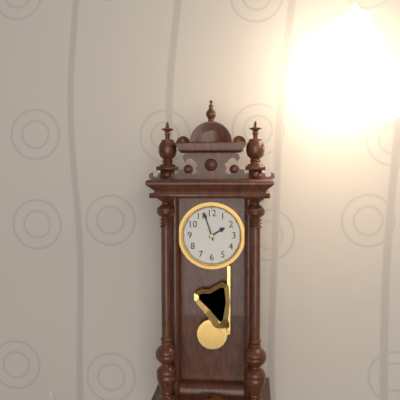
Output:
1.57
